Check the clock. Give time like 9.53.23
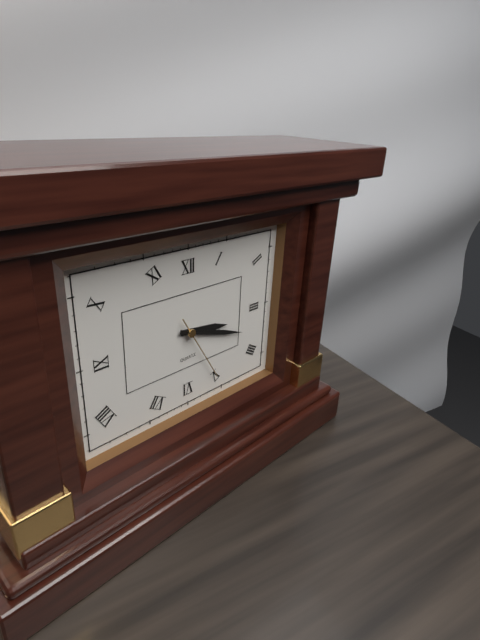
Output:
3.18.25
